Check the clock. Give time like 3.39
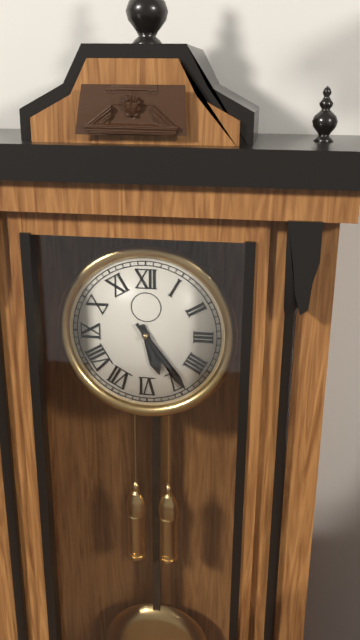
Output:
5.24
